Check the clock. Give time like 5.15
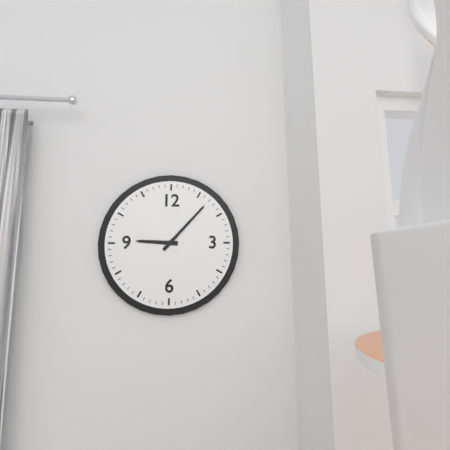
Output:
9.07
